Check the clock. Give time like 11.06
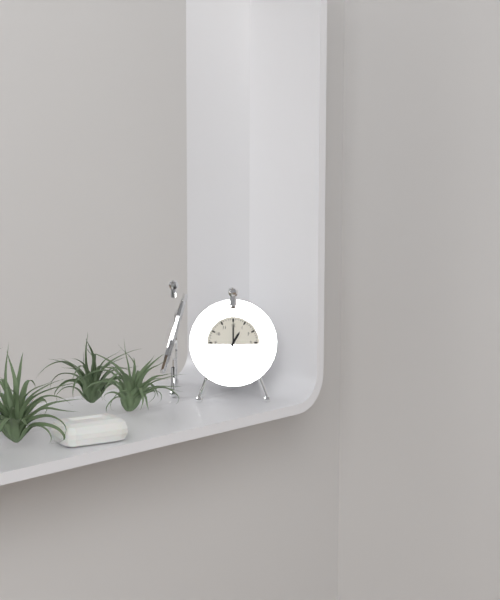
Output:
1.00
